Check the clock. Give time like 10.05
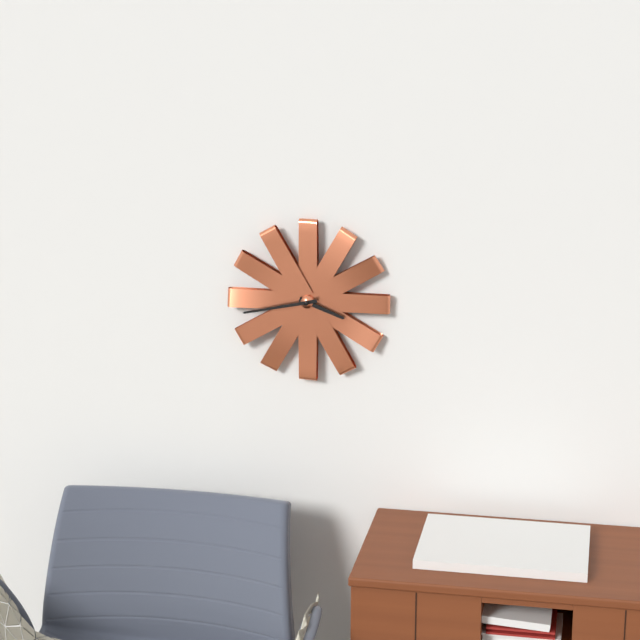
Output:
3.43
